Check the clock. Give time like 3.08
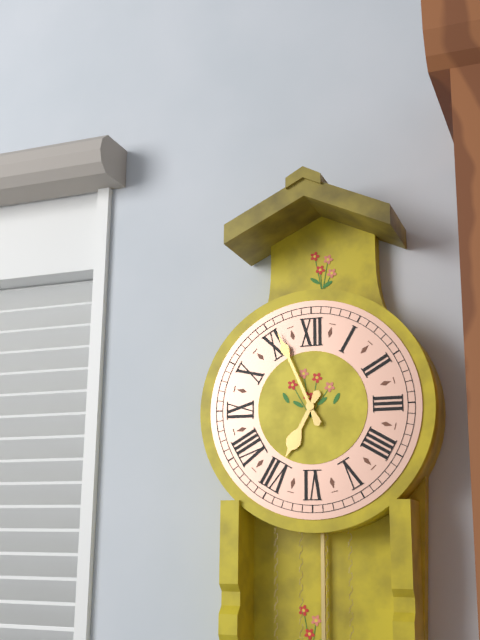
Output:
6.56
